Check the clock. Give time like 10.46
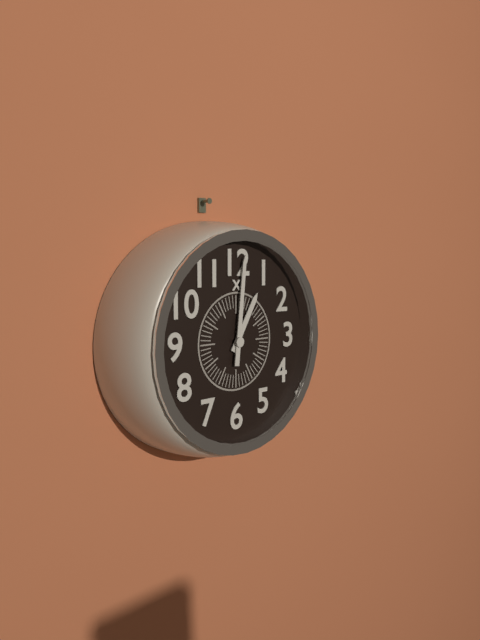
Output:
1.01
